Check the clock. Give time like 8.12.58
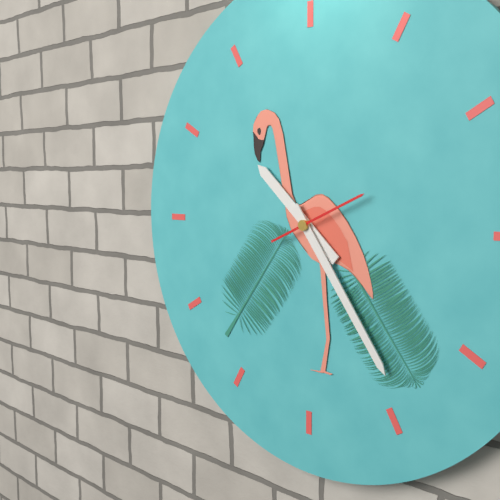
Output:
10.24.11
